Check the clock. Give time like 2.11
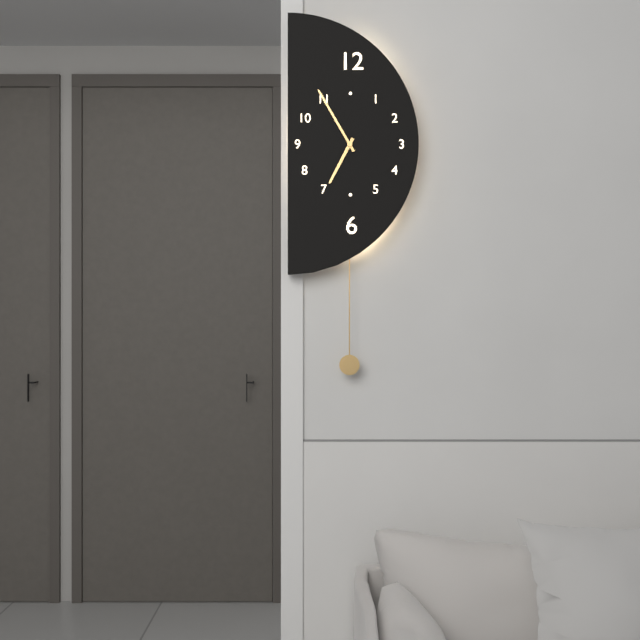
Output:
6.55
